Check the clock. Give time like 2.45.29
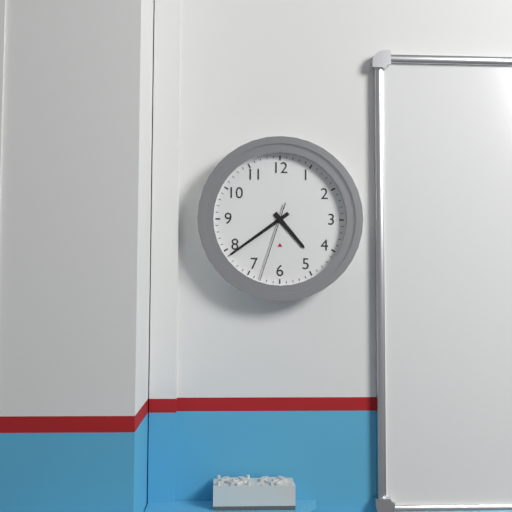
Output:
4.39.33
